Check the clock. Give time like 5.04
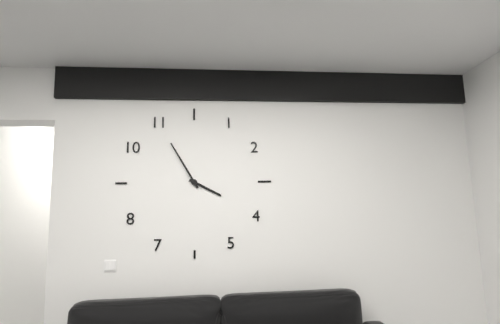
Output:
3.55
